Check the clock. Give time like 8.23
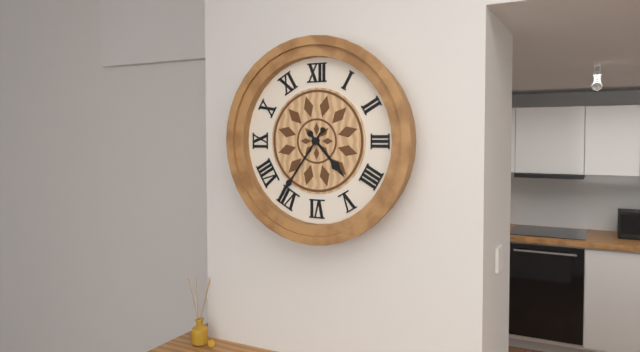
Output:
4.36
